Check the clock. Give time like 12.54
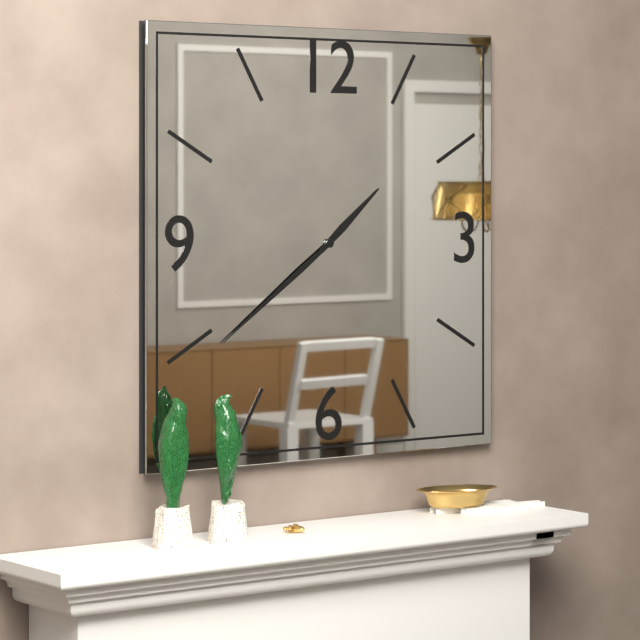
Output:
1.39
